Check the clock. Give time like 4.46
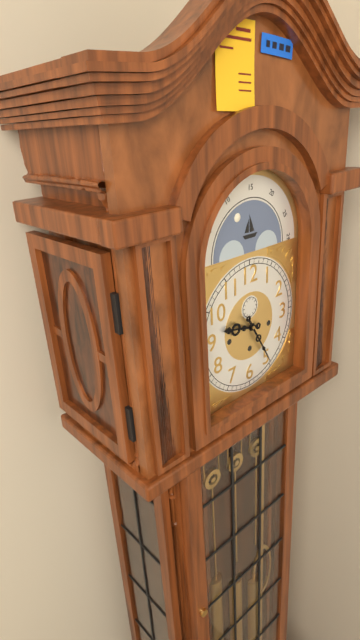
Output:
9.25
